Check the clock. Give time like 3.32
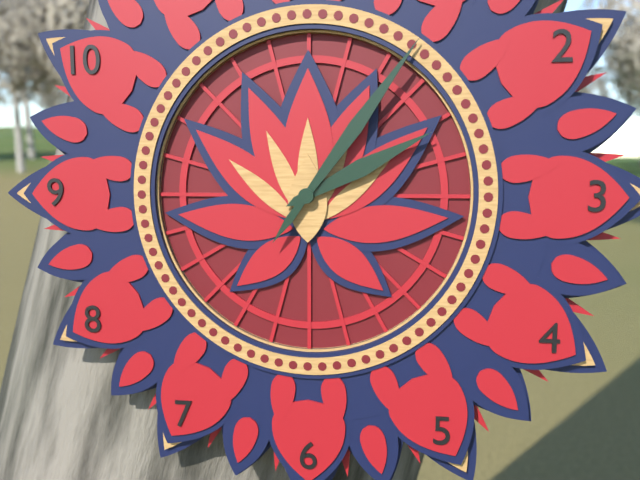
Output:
2.06
